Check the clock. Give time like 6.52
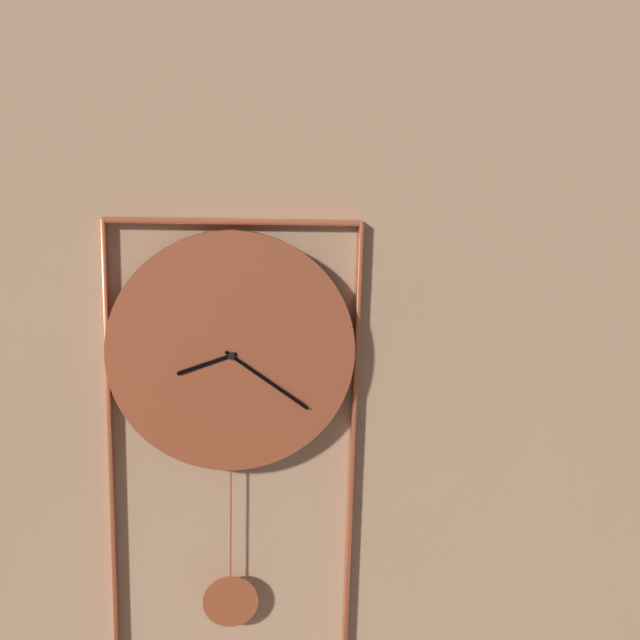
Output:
8.21
